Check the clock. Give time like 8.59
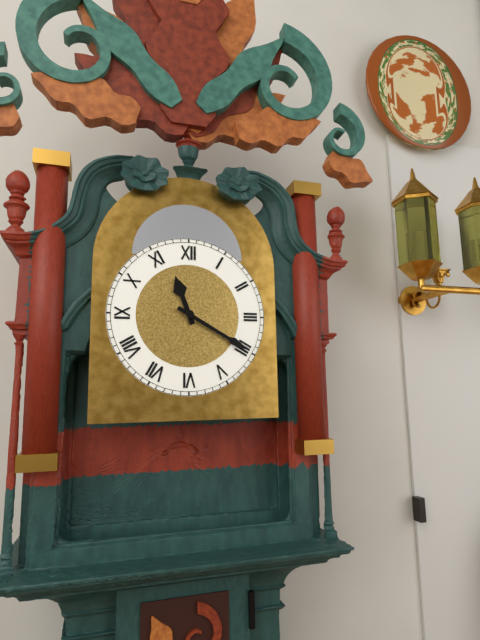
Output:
11.20
